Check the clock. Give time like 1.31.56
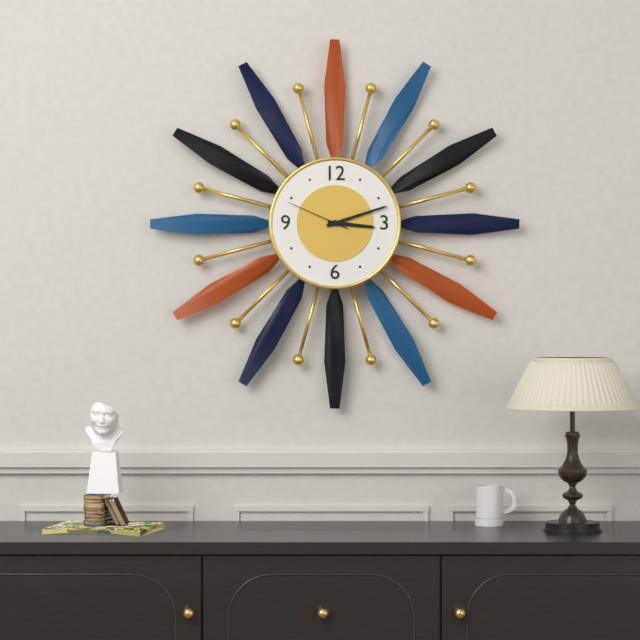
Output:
3.12.49
